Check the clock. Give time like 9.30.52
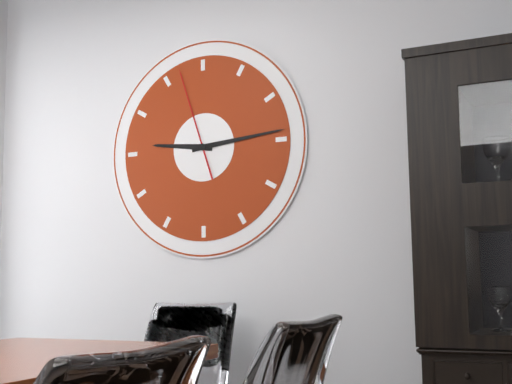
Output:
9.14.57
